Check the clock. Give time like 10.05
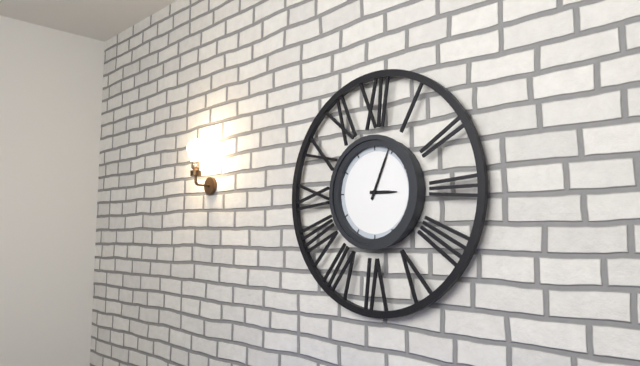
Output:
3.04
